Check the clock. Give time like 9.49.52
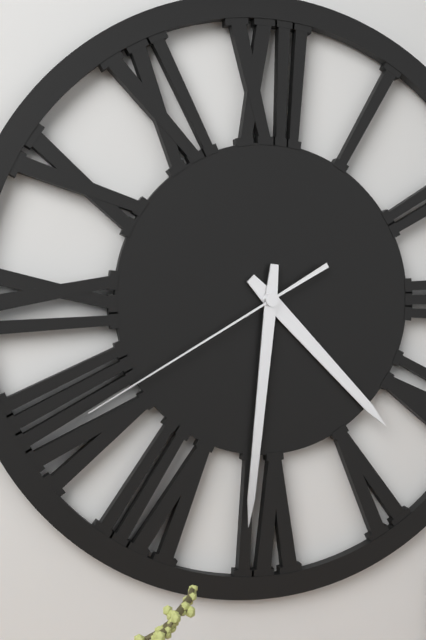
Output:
4.31.40
